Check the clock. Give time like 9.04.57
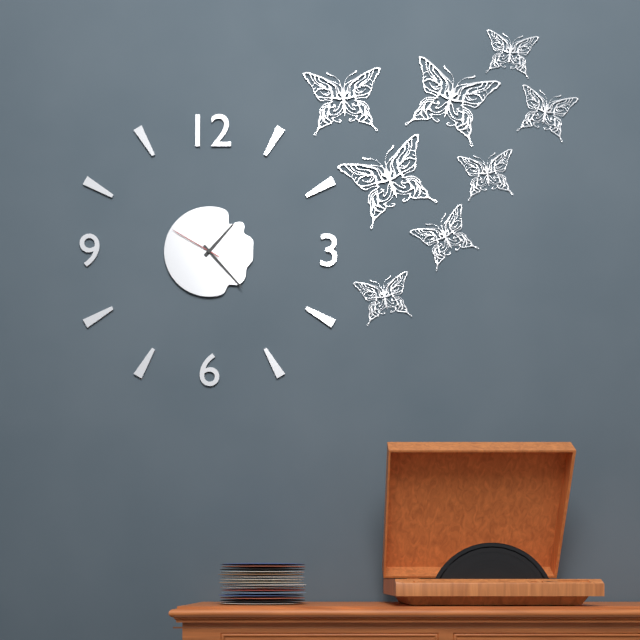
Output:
1.23.50
